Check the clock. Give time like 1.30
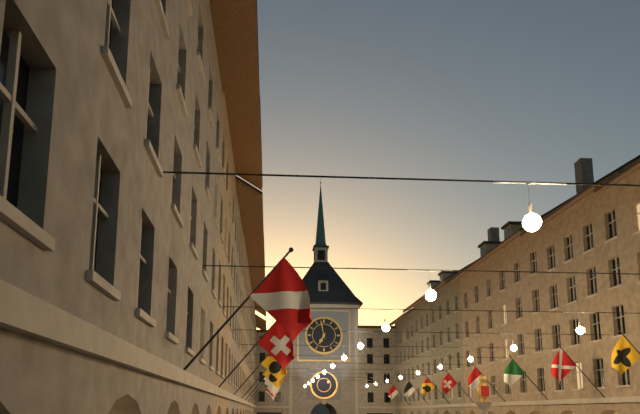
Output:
6.58
